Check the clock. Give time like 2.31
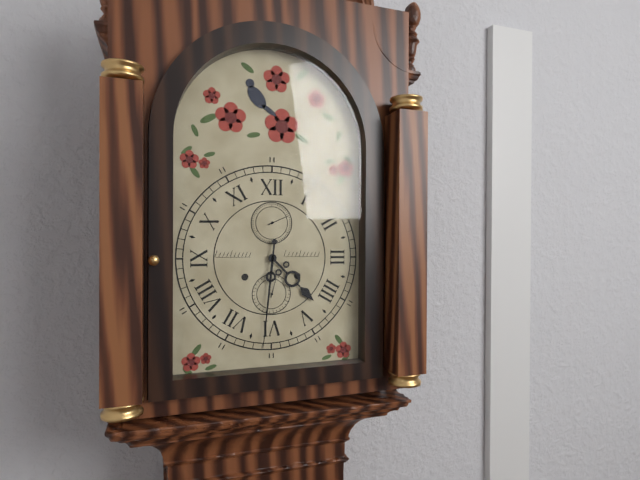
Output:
4.31
